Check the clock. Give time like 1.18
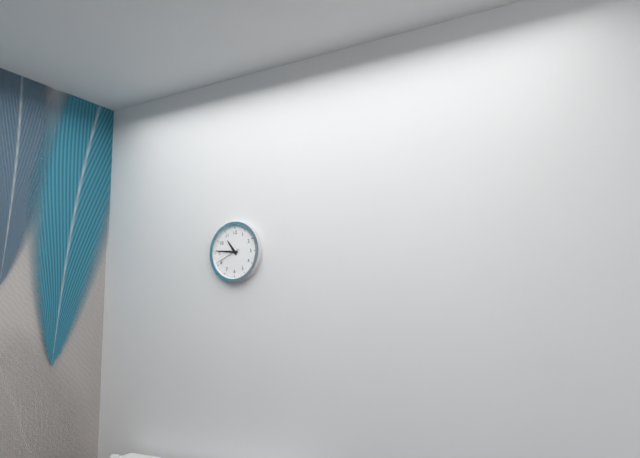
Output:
10.46
